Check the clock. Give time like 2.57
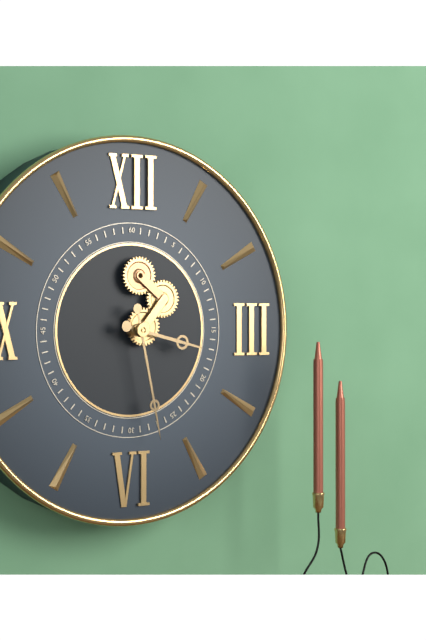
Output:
3.28
